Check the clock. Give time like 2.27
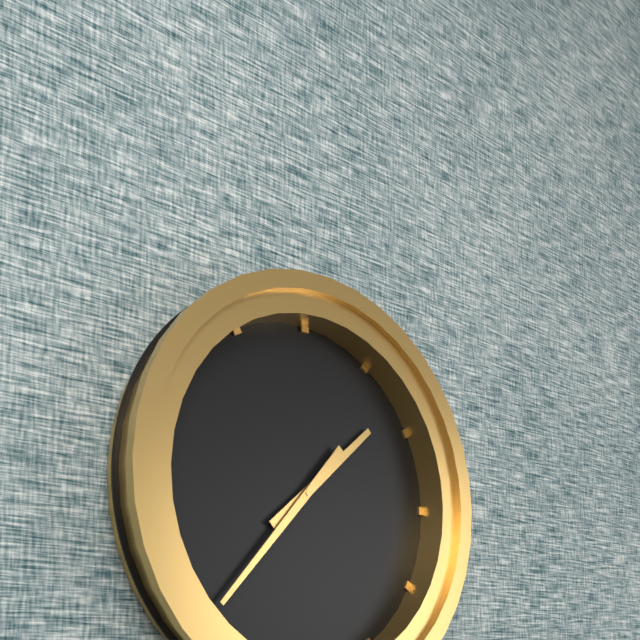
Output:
1.37
